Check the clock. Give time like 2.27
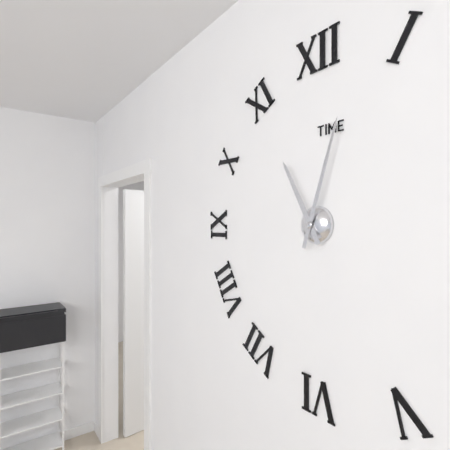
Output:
11.03
